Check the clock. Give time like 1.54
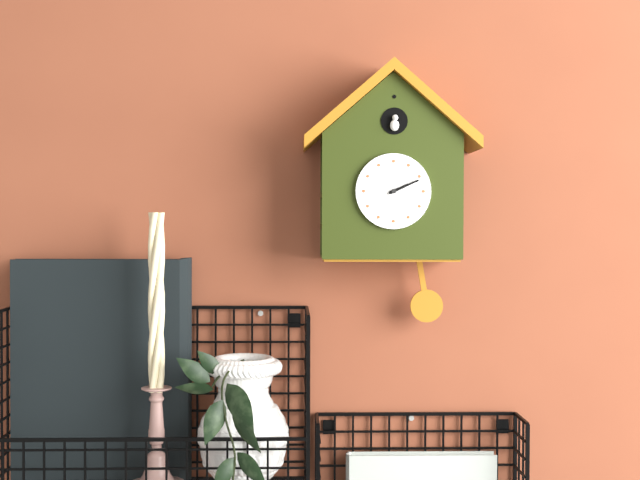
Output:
2.11
